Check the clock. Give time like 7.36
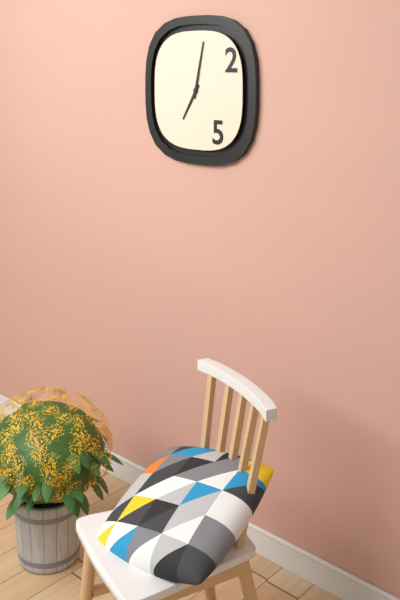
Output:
7.02
